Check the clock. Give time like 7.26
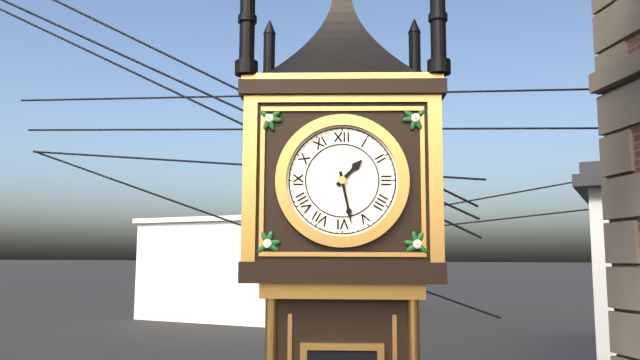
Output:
1.28
